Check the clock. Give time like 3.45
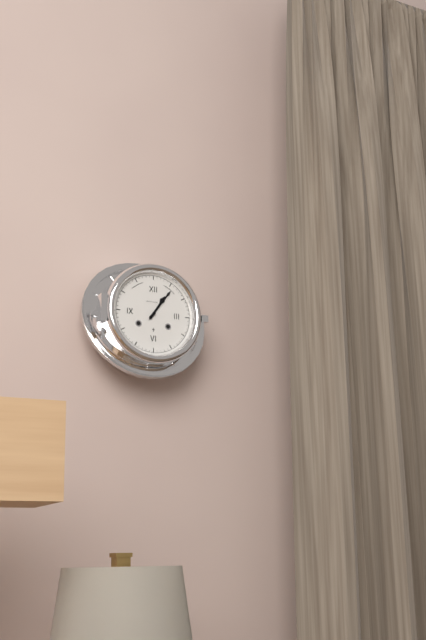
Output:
1.06
